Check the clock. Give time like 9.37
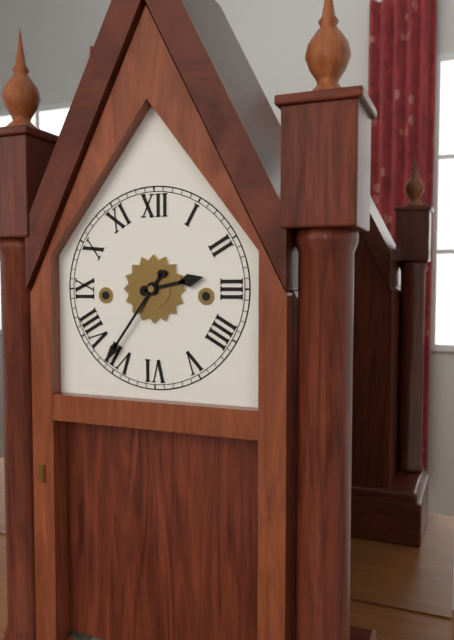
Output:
2.36
